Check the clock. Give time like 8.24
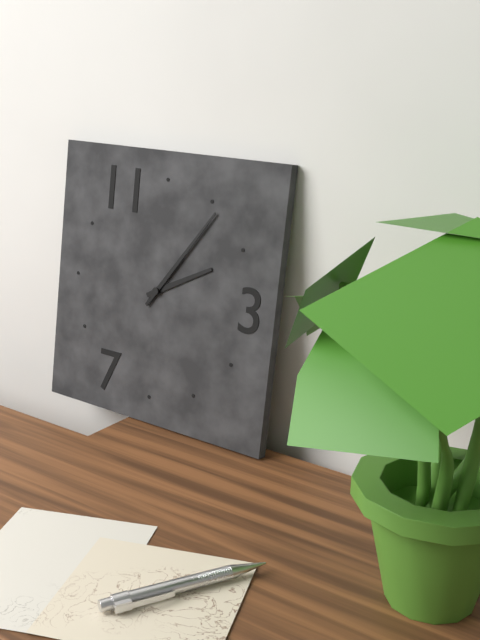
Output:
2.06
